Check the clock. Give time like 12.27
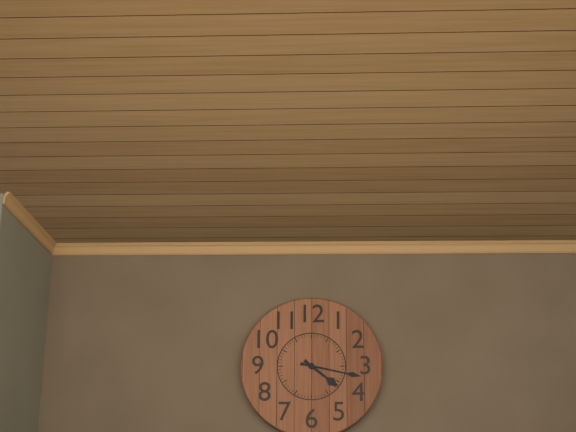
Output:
4.17
